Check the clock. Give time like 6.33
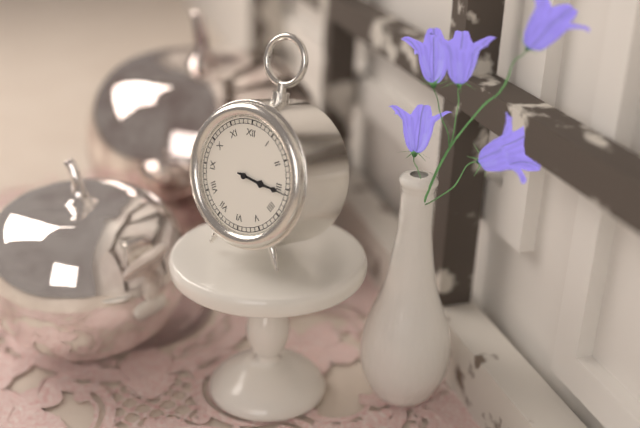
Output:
3.16
